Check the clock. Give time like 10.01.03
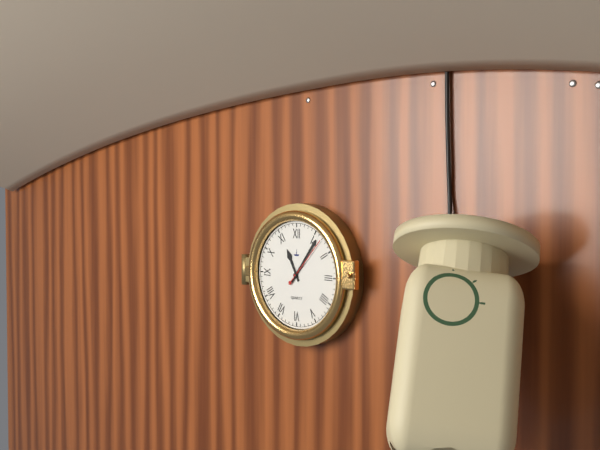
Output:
11.06.07
